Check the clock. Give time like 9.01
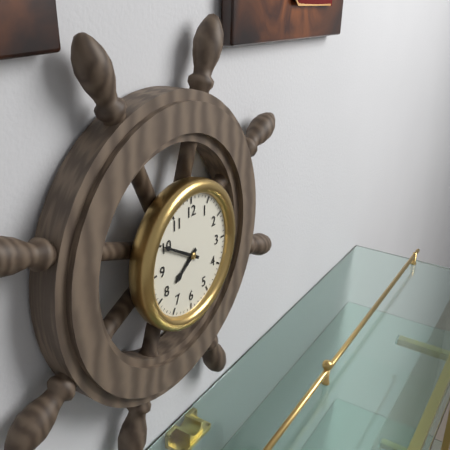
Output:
7.50
